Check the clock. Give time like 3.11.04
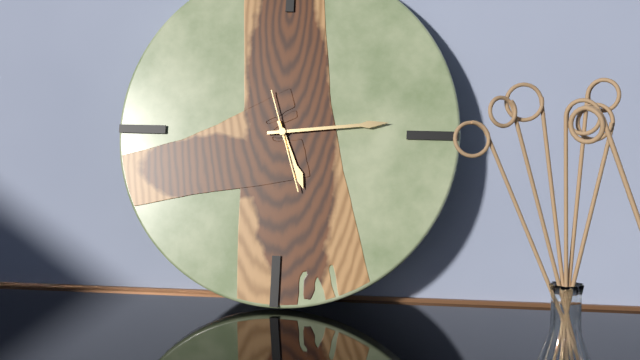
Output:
5.14.27
